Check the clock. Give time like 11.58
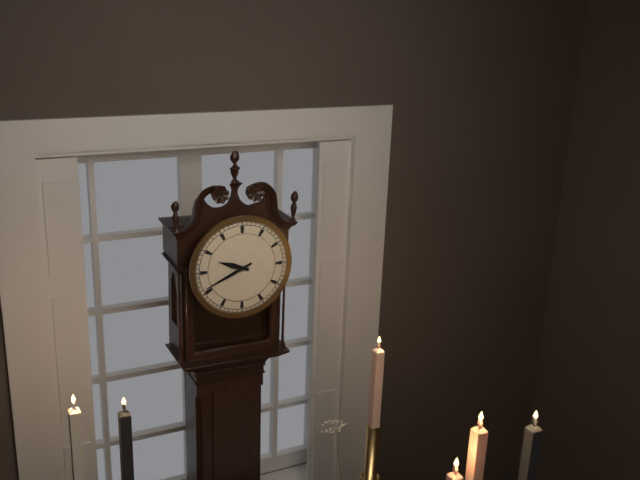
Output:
9.41
